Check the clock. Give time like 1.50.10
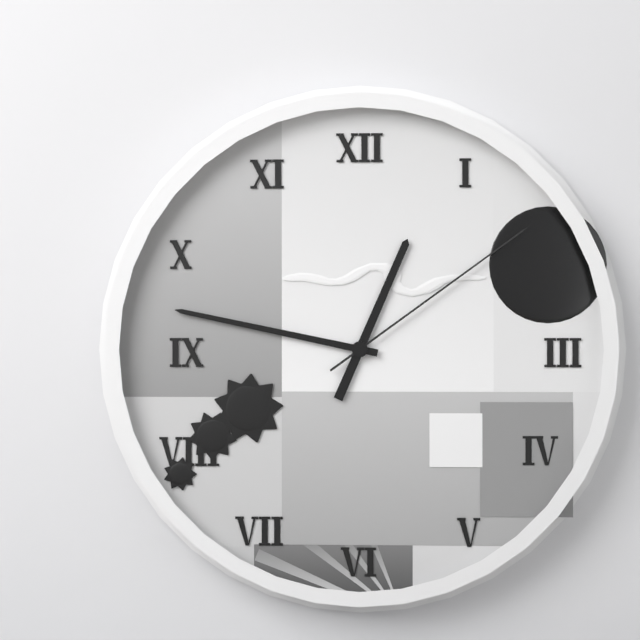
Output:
12.47.09
